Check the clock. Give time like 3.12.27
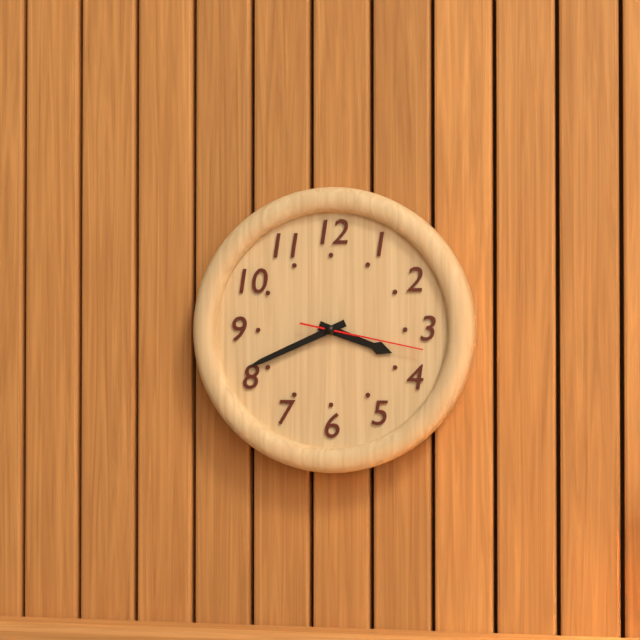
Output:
3.41.17
